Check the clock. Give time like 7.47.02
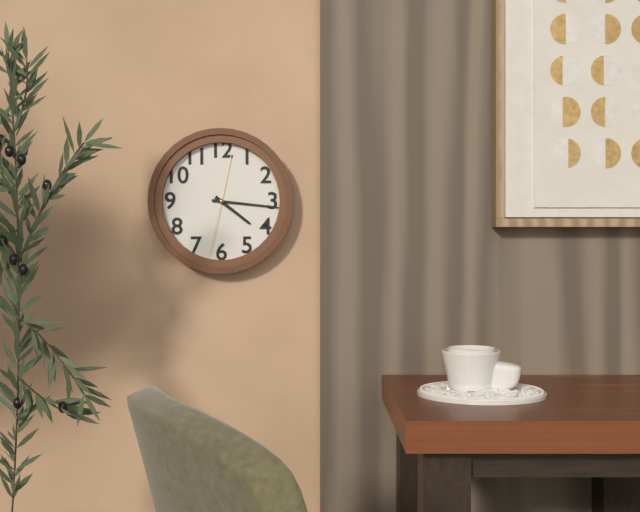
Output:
4.16.32
